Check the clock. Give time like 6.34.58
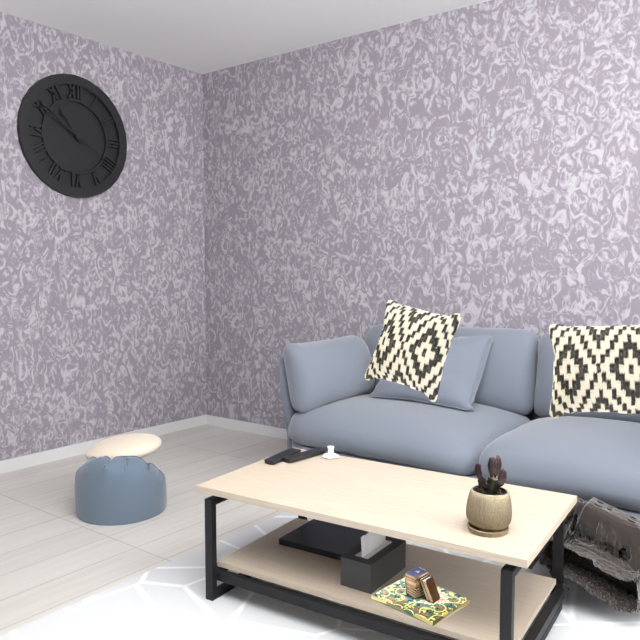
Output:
10.51.20
